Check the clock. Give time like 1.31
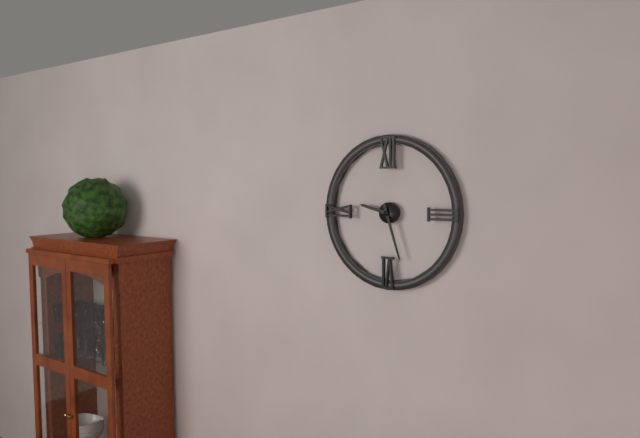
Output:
9.27
